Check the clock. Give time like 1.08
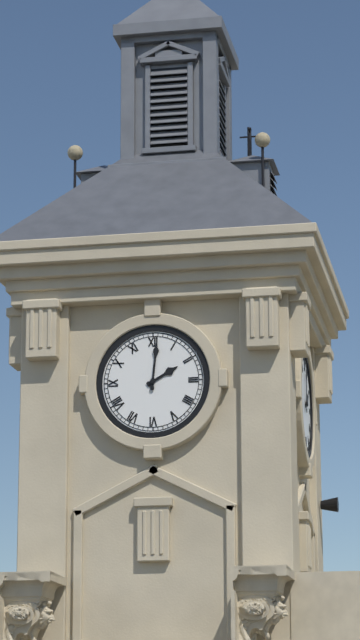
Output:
2.01
